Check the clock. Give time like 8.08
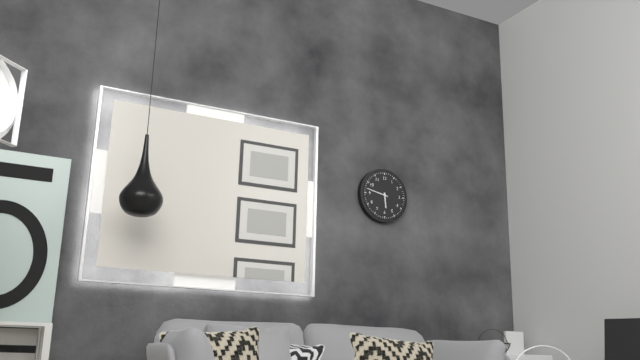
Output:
5.47
